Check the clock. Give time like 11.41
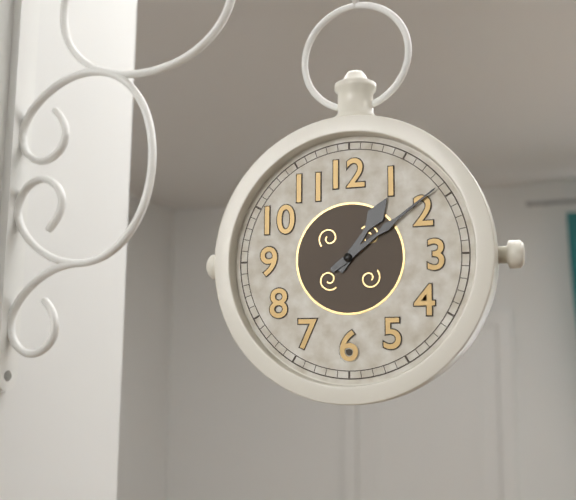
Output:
1.09
